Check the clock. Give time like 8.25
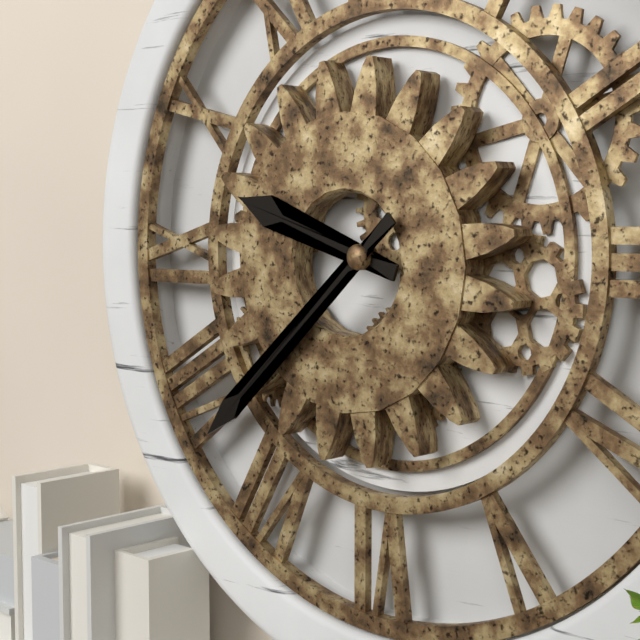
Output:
9.38
